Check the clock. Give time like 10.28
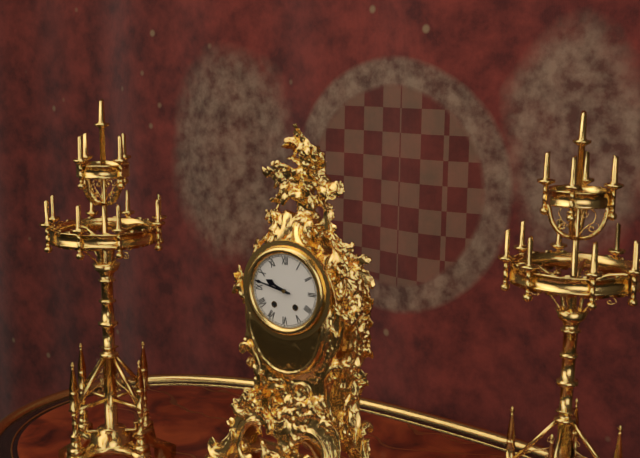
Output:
9.47
